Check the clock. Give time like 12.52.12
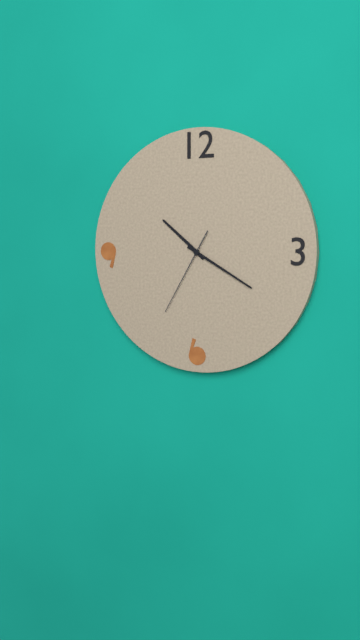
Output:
10.20.35
